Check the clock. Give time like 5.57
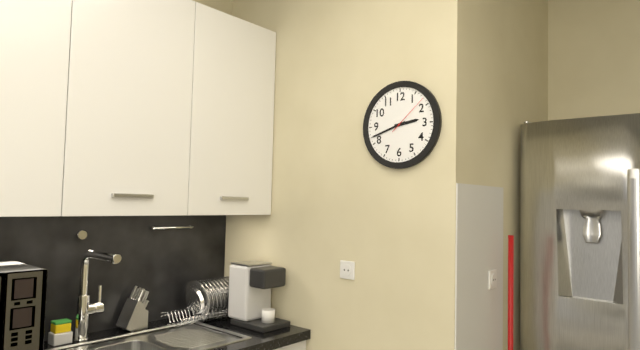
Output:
2.42
